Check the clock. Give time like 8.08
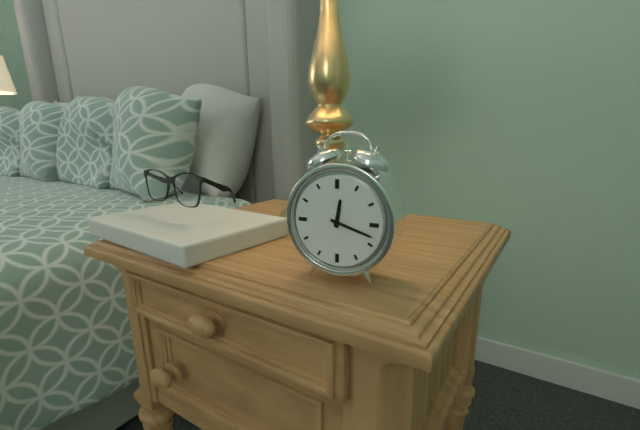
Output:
12.18
